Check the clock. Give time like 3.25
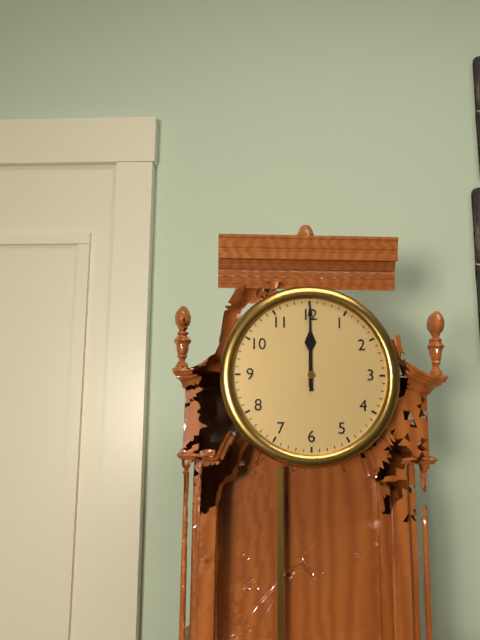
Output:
12.00
